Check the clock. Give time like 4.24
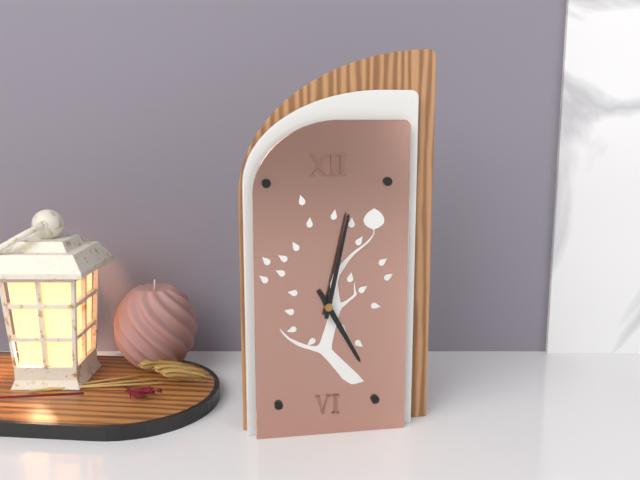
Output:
5.02
